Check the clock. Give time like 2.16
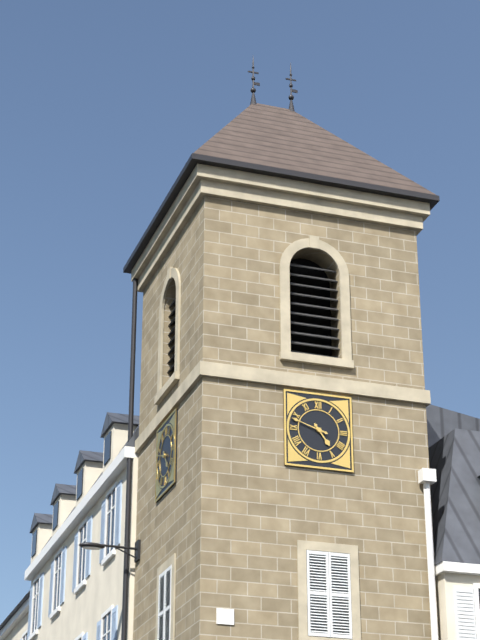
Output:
4.48
